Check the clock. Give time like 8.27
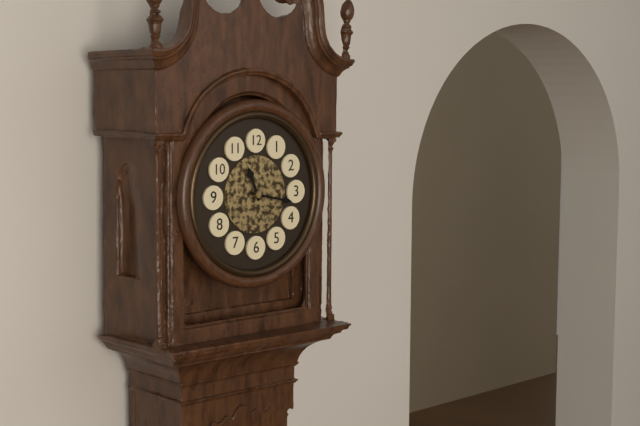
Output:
11.17
